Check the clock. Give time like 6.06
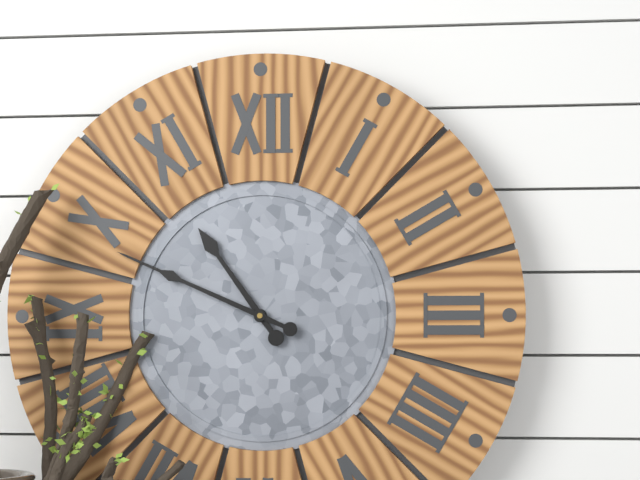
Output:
10.49
